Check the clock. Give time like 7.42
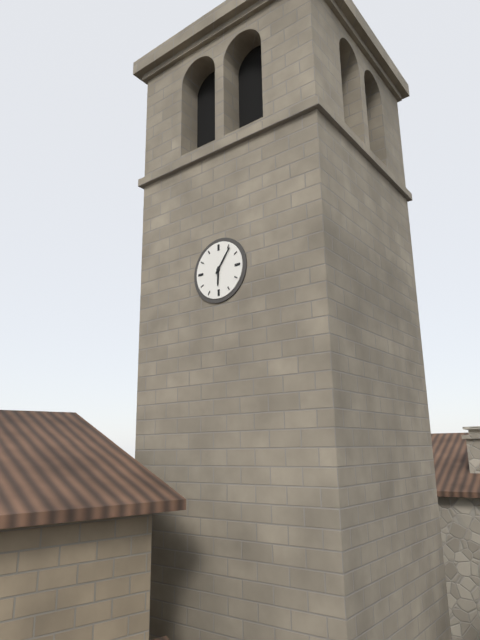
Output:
6.06
